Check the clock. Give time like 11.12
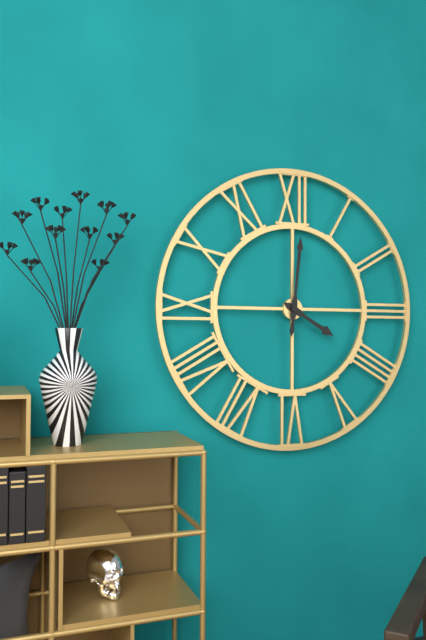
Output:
4.01
